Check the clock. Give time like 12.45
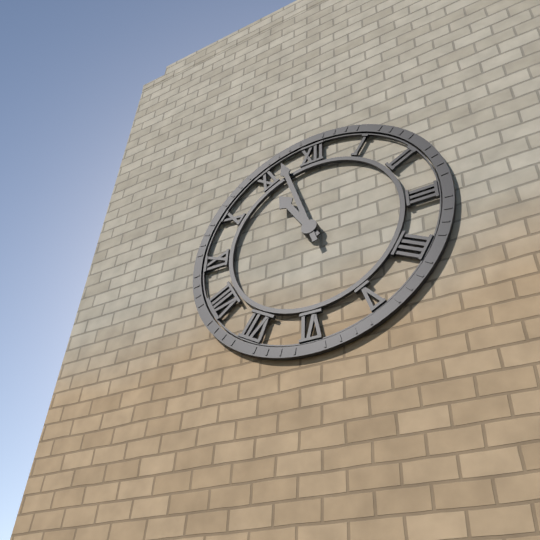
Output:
10.57
